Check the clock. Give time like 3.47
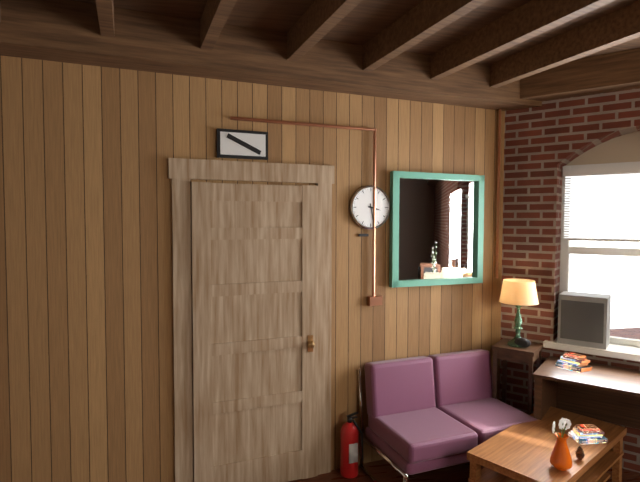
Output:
3.28
